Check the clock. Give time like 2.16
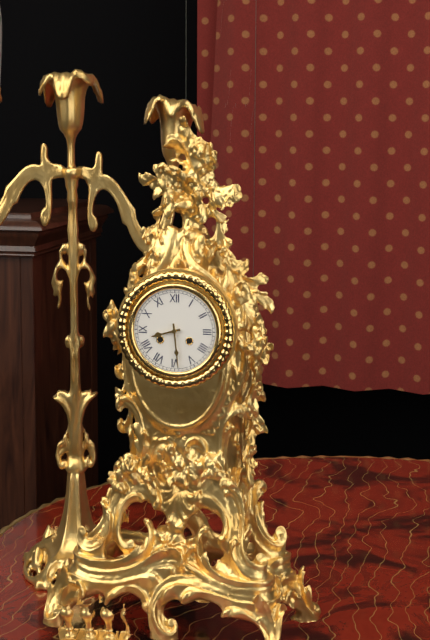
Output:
8.29
